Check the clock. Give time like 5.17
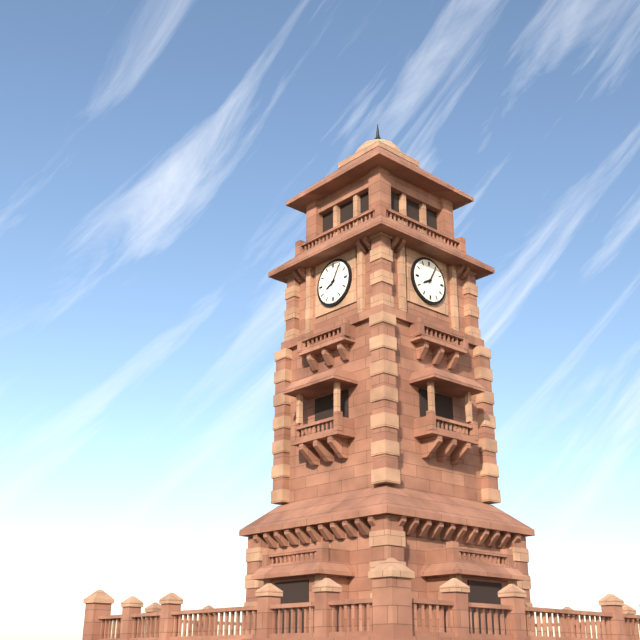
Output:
8.05
